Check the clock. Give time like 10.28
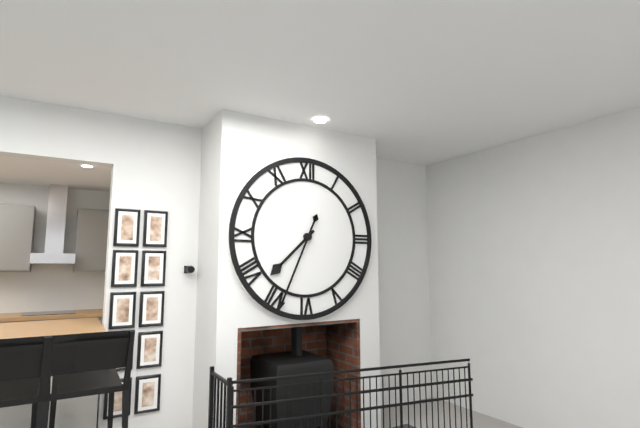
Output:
7.34
